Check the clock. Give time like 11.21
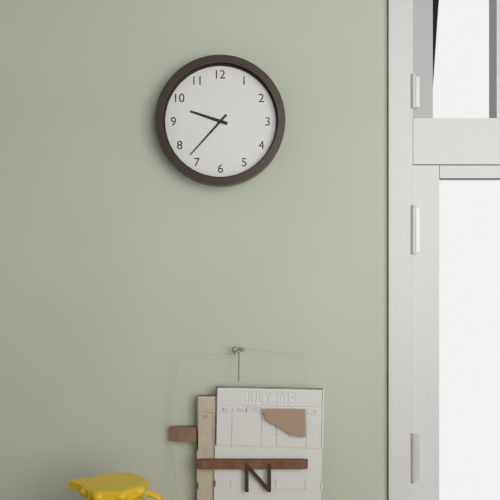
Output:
9.37
